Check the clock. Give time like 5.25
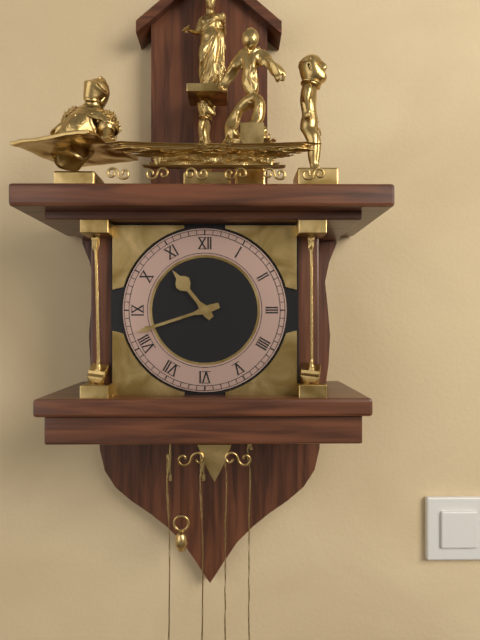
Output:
10.42
